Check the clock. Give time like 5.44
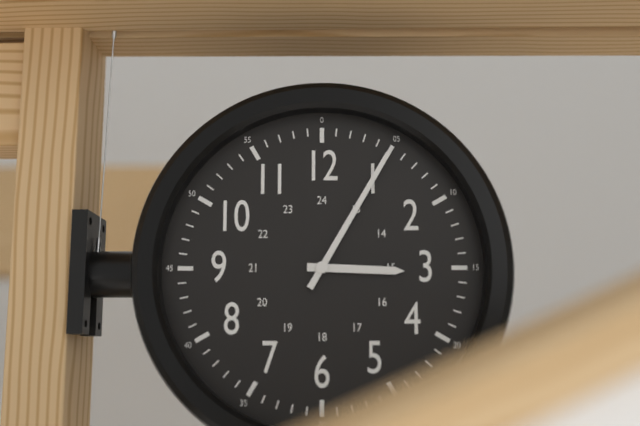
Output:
3.05
